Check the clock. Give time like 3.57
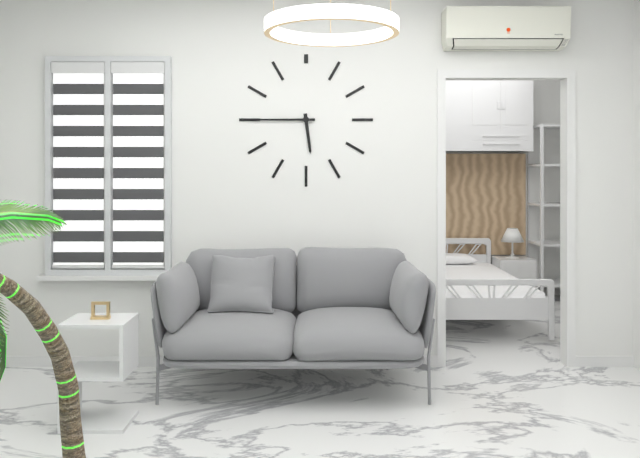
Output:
5.45
